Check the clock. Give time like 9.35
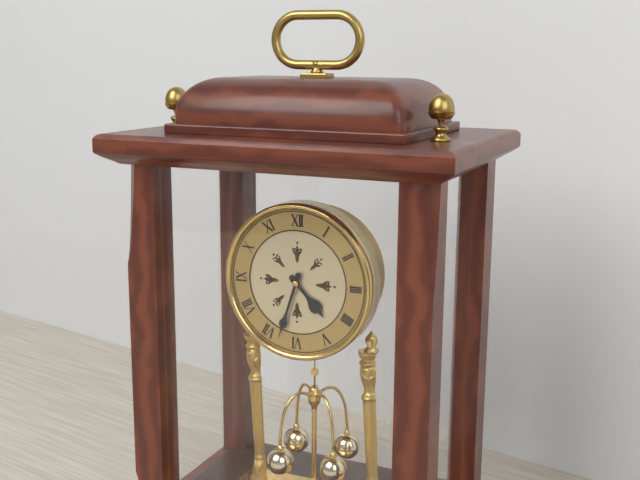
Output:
4.33
